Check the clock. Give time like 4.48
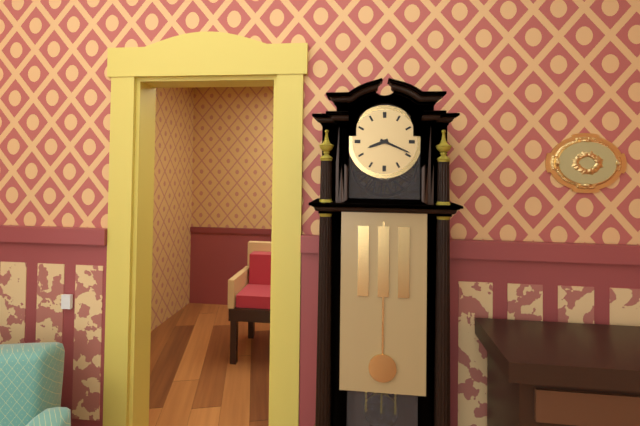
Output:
8.19
